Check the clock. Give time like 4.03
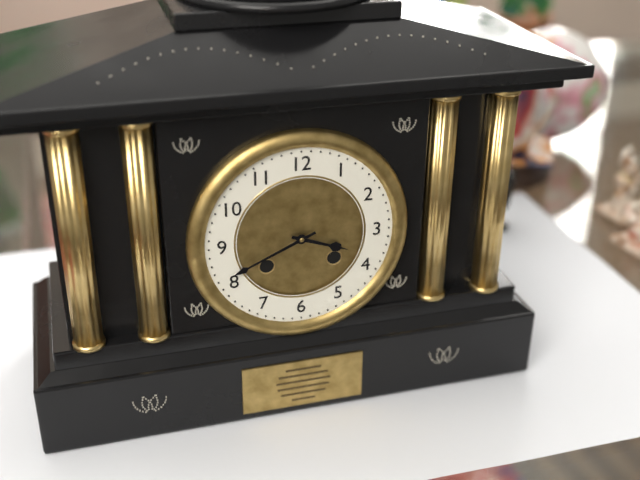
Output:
3.41
